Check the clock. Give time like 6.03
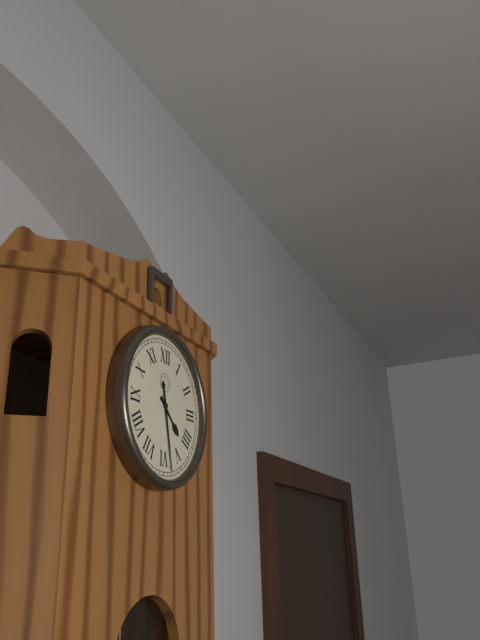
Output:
4.28
